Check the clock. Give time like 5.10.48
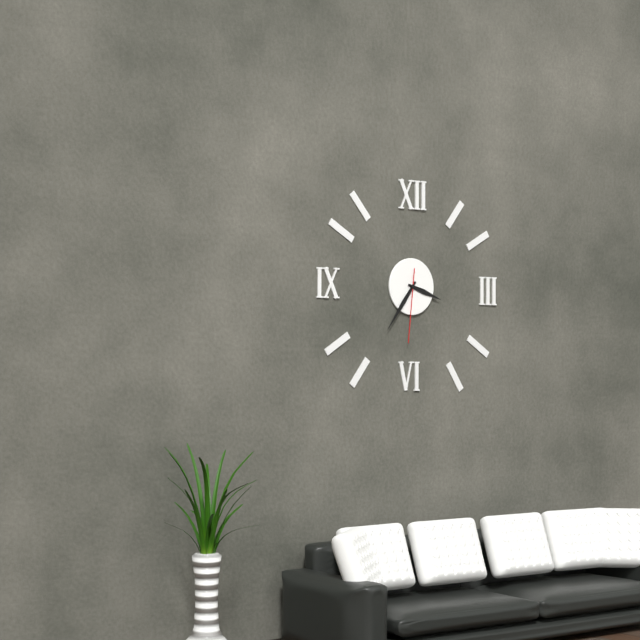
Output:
3.36.31
